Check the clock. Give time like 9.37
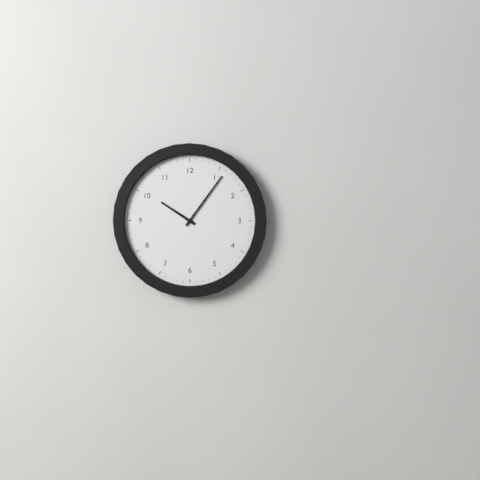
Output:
10.06
